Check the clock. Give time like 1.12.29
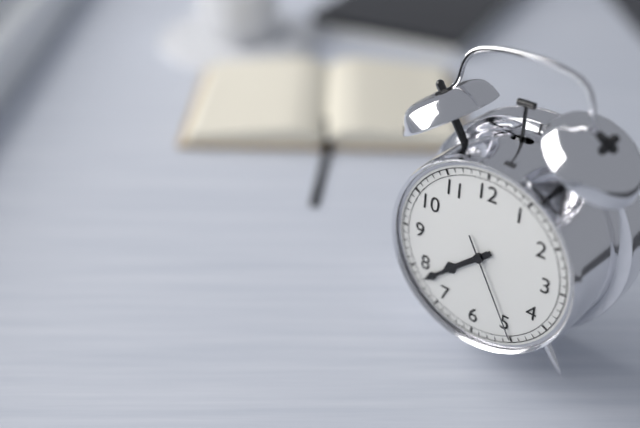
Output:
7.38.25
